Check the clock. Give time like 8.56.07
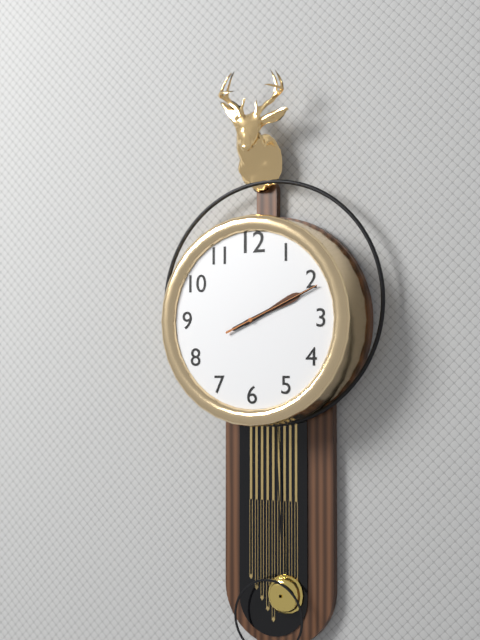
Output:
2.11.11
